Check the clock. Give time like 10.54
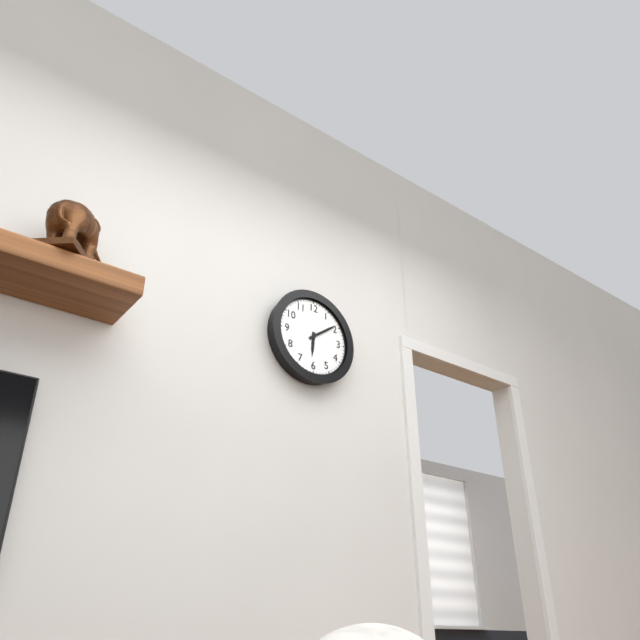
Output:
6.09
